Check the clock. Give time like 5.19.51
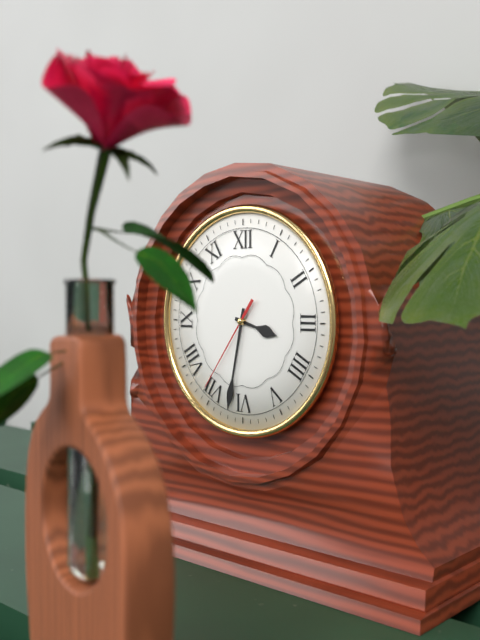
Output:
3.32.36
